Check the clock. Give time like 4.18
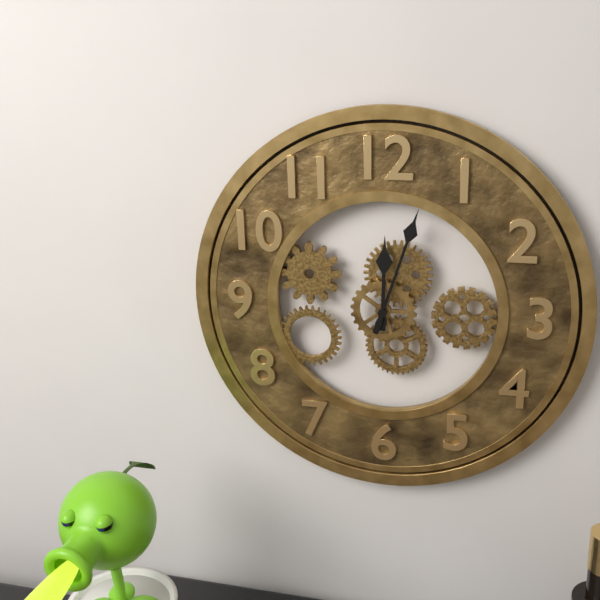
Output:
12.03
